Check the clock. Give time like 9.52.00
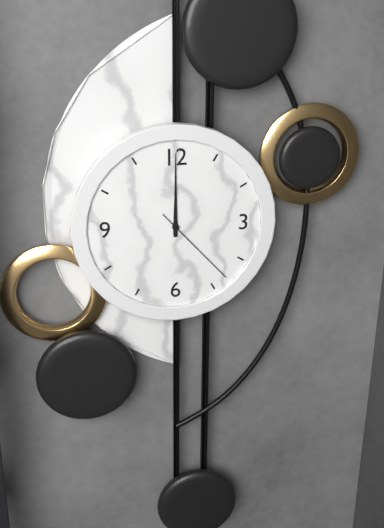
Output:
12.00.23
